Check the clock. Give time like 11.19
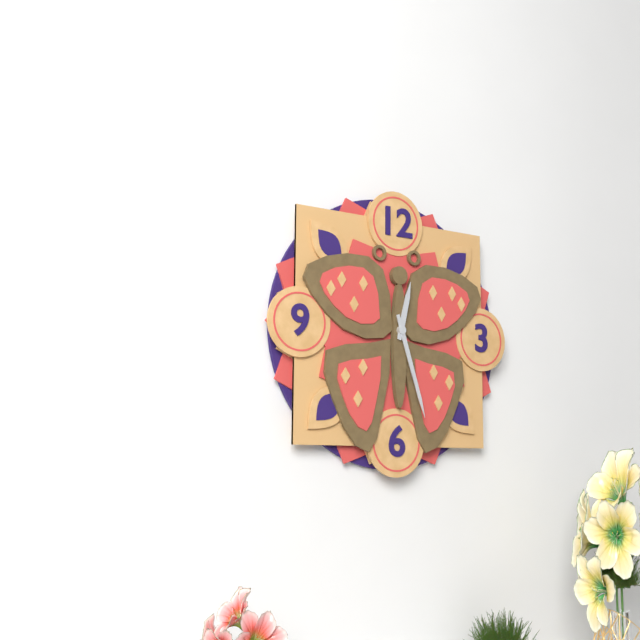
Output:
12.27
